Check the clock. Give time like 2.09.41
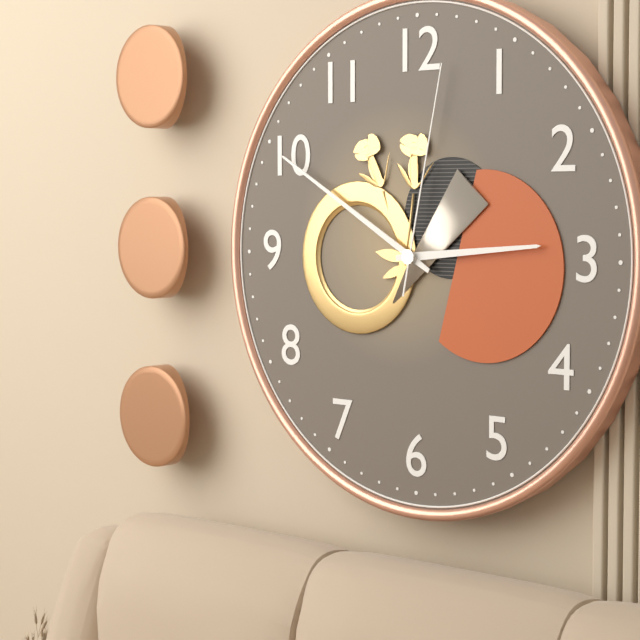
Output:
2.50.02
